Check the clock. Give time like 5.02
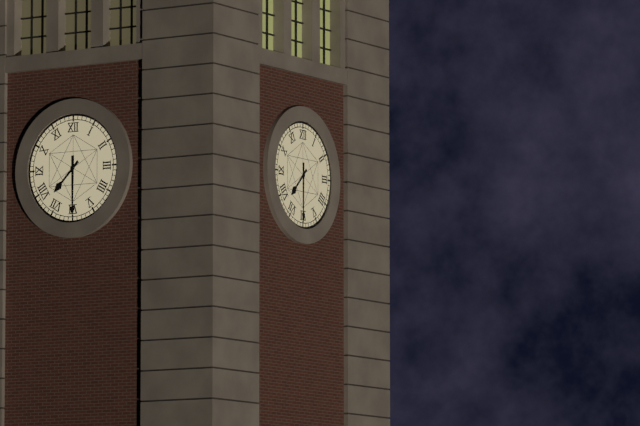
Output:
7.30
